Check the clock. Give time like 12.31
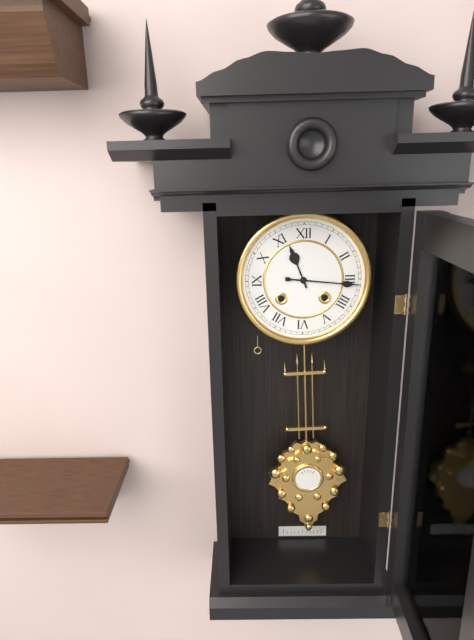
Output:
11.16
